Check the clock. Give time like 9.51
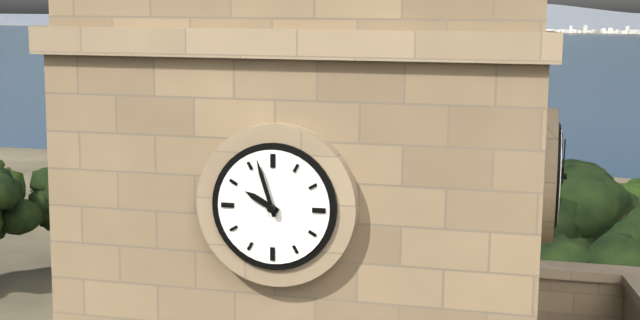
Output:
9.57
